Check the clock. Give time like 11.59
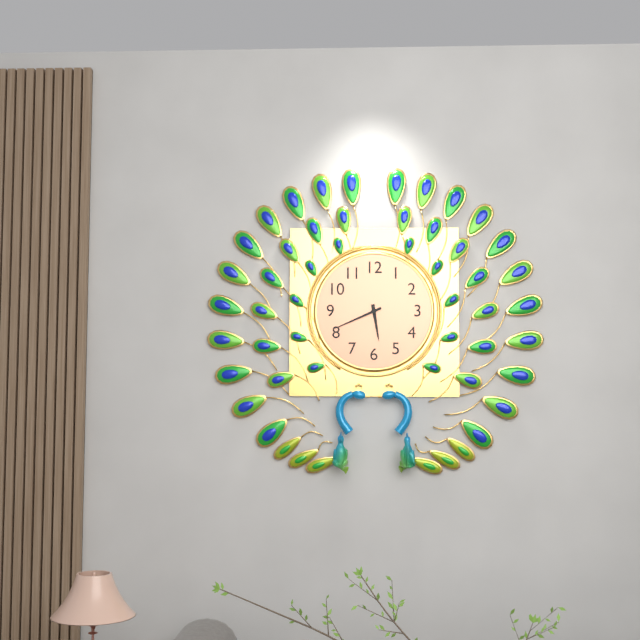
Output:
5.41
